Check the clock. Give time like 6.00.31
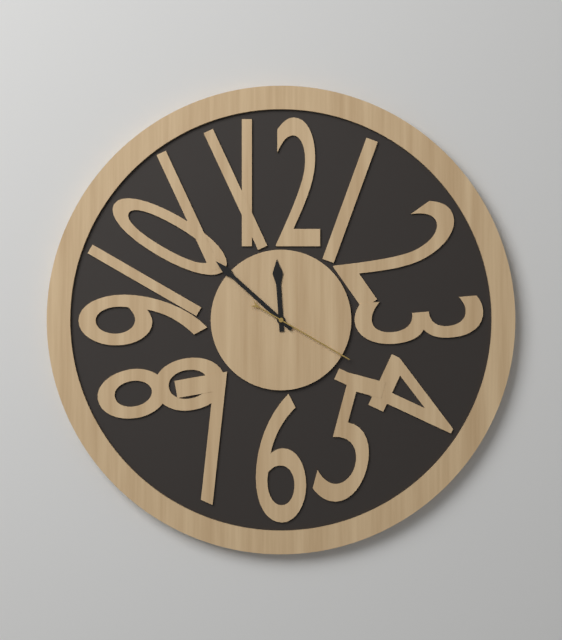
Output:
11.52.20
